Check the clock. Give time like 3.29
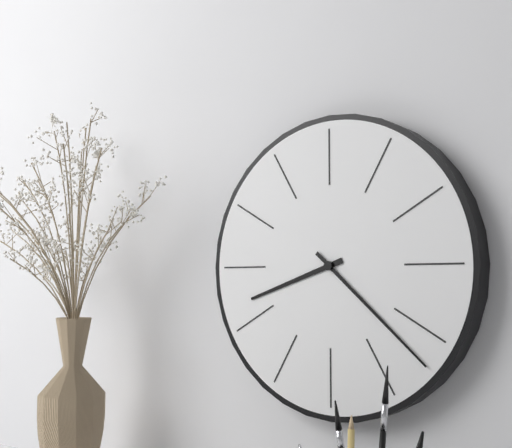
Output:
8.22
